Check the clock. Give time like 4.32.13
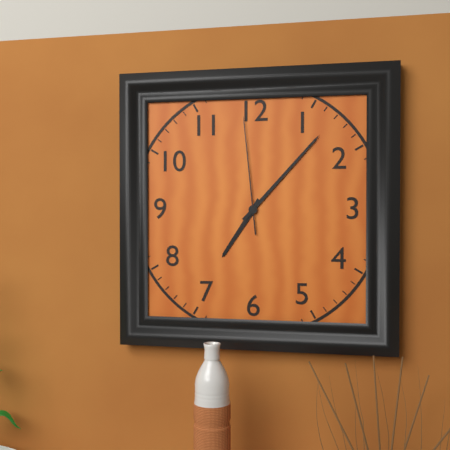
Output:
7.07.59
